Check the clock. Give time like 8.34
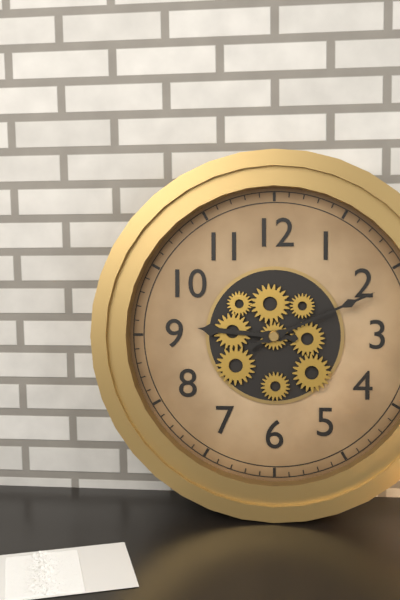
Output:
9.11
